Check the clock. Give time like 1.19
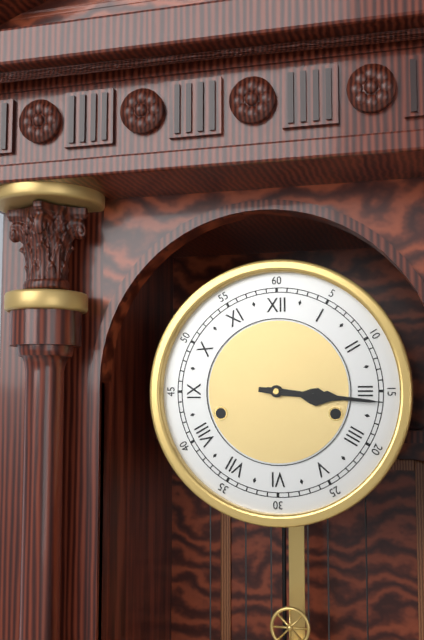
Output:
3.16
